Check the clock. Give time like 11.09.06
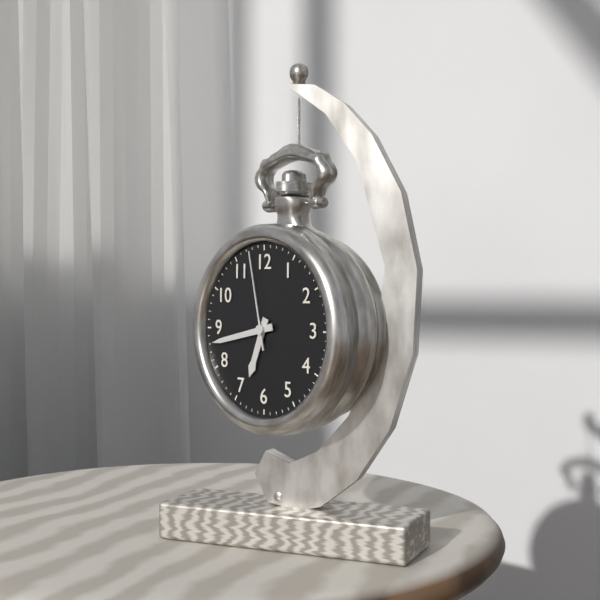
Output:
6.43.58
